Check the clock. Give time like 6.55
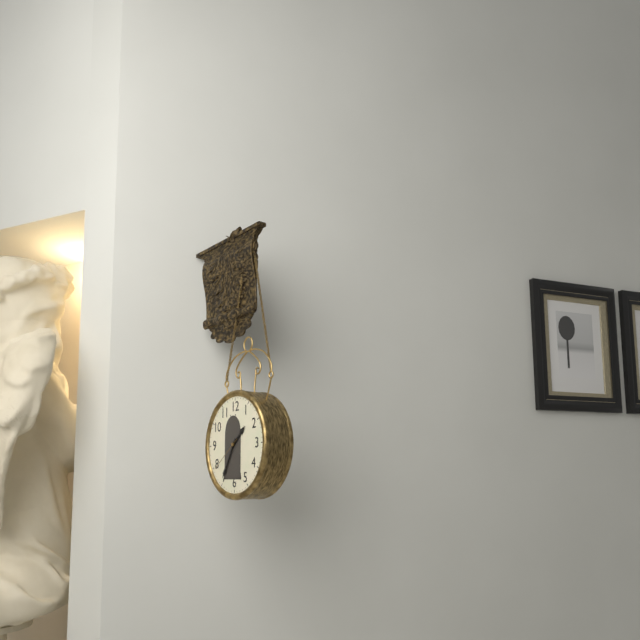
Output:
1.35
